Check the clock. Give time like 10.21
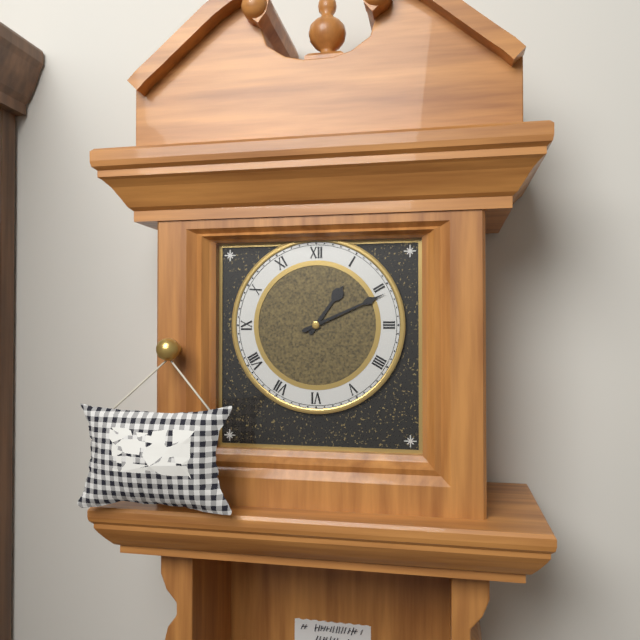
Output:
1.11
